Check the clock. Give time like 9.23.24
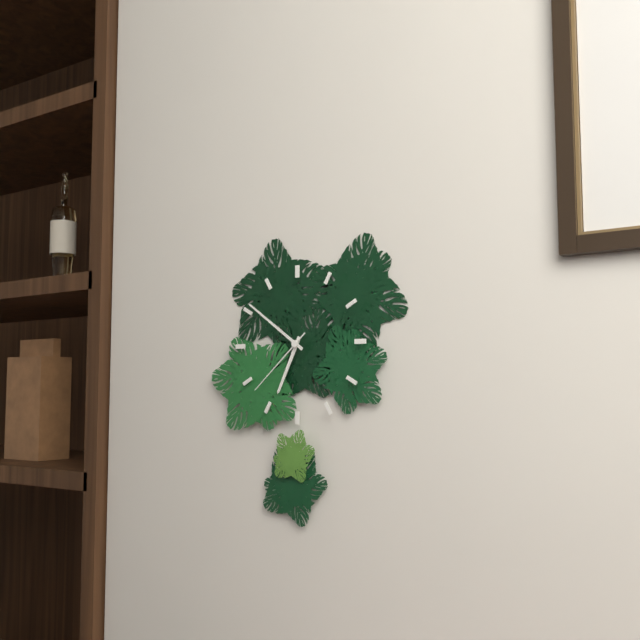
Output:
6.51.38
